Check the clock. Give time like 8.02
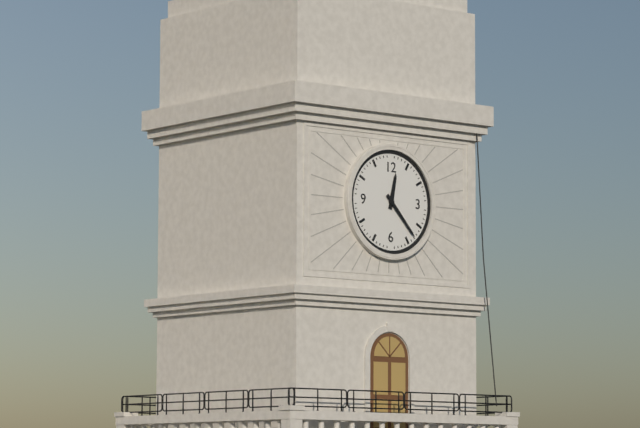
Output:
12.23
